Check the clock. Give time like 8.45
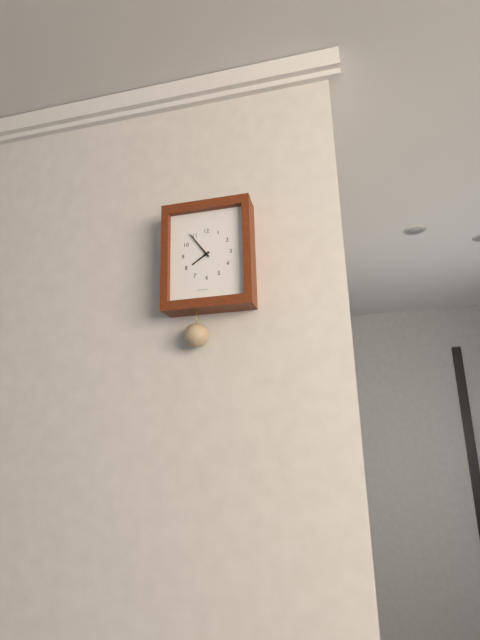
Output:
7.54
